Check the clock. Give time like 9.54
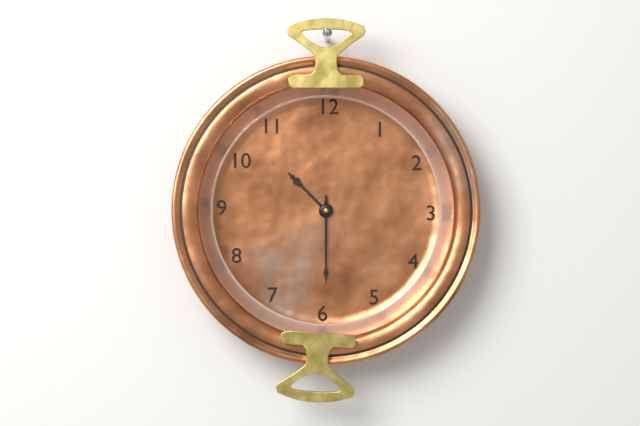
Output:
10.30
